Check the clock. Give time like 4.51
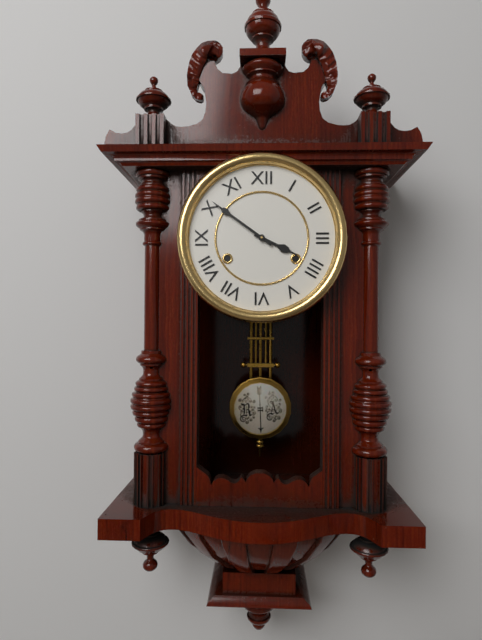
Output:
3.51
